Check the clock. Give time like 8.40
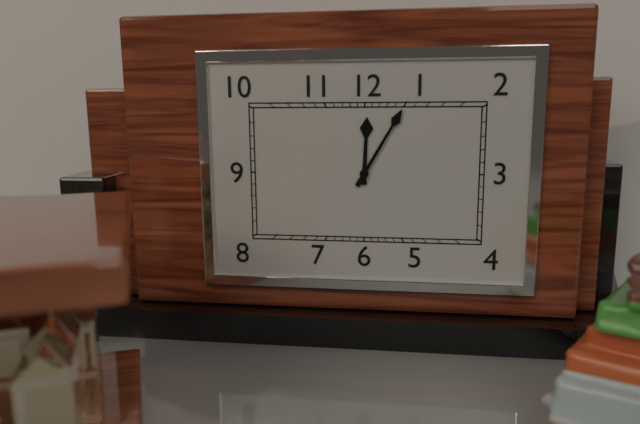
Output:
12.05
